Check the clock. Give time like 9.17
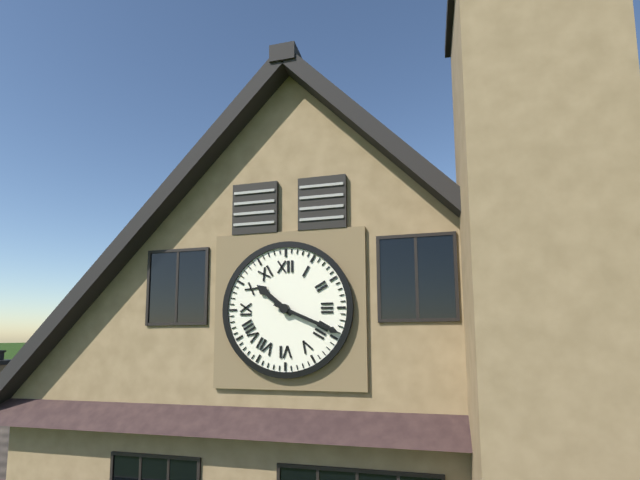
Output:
10.19
